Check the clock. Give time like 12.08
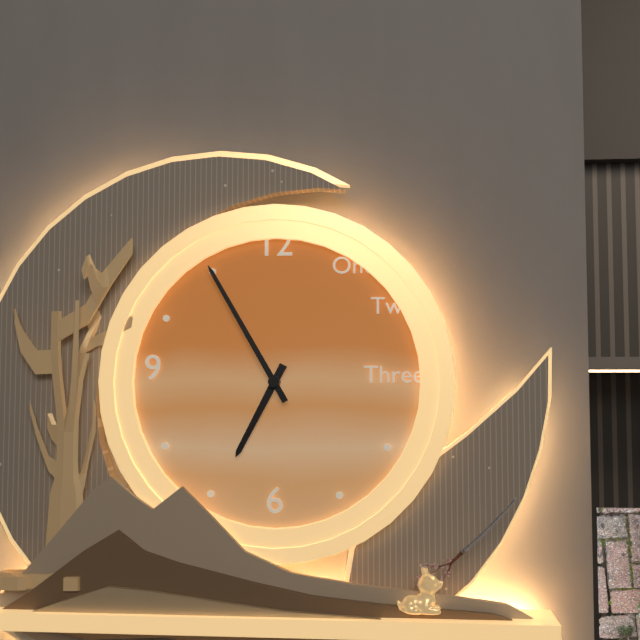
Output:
6.55
